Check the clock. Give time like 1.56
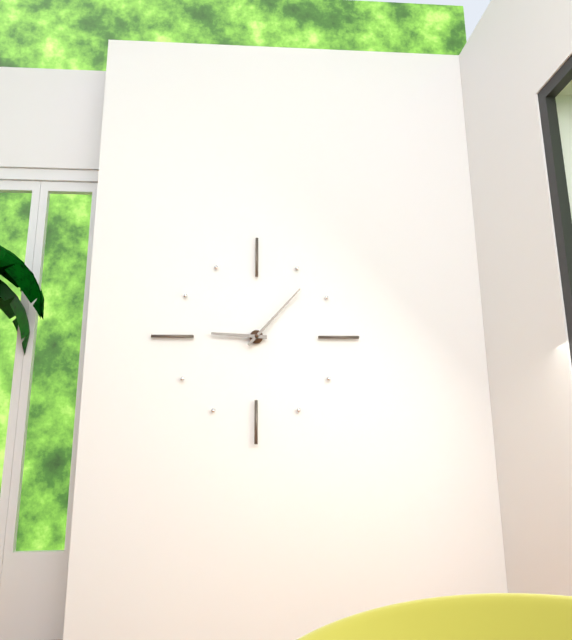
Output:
9.07
